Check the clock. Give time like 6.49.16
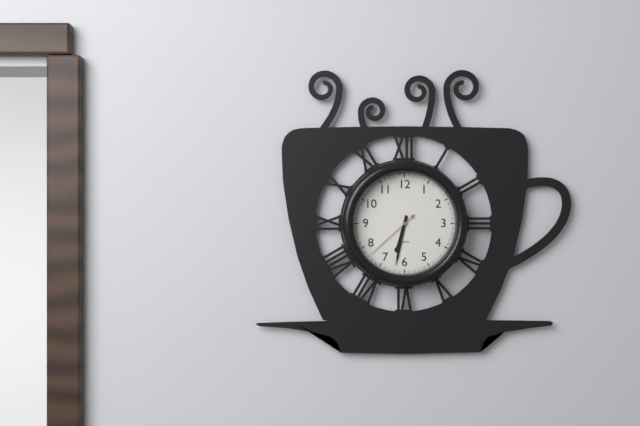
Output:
6.32.38
